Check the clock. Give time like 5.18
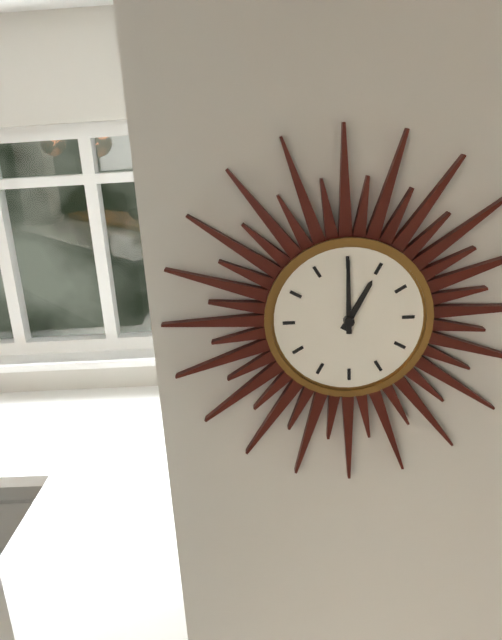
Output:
1.00
